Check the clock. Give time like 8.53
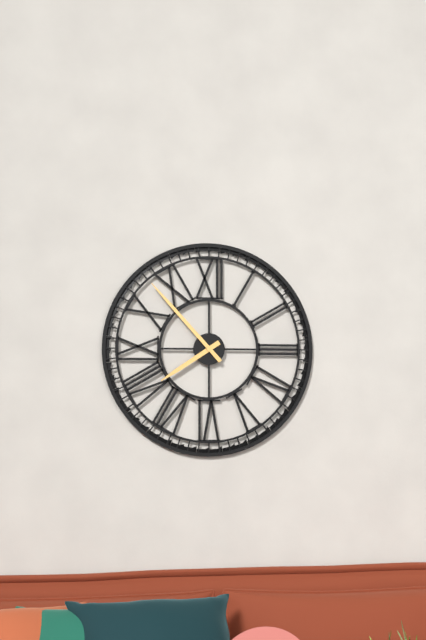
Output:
7.53
